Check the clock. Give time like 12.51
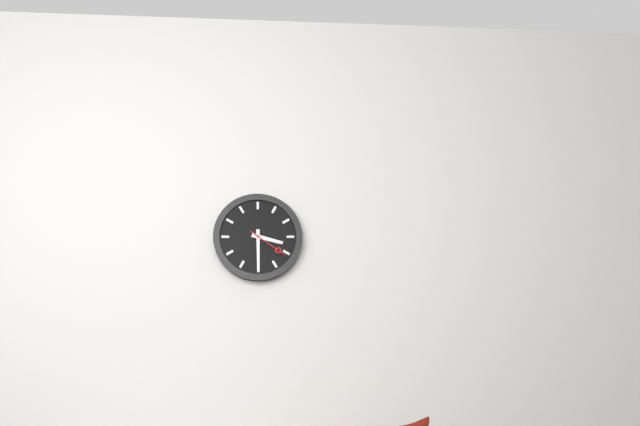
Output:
3.30
